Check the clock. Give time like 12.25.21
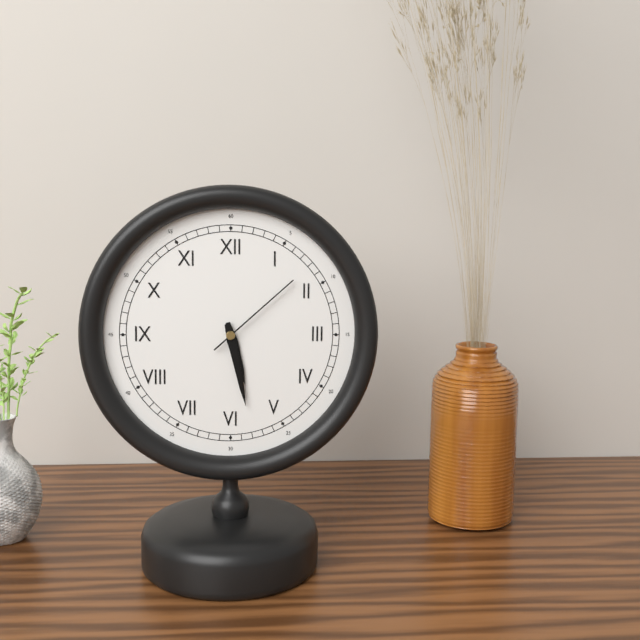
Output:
5.28.08
